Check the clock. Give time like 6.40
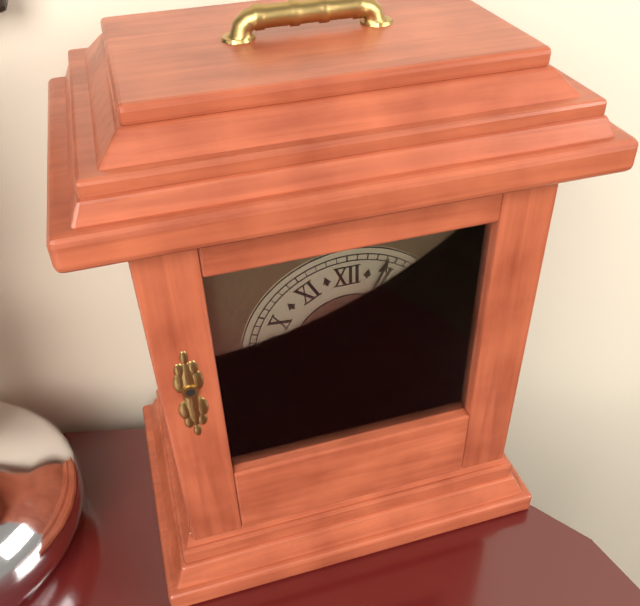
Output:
6.04
